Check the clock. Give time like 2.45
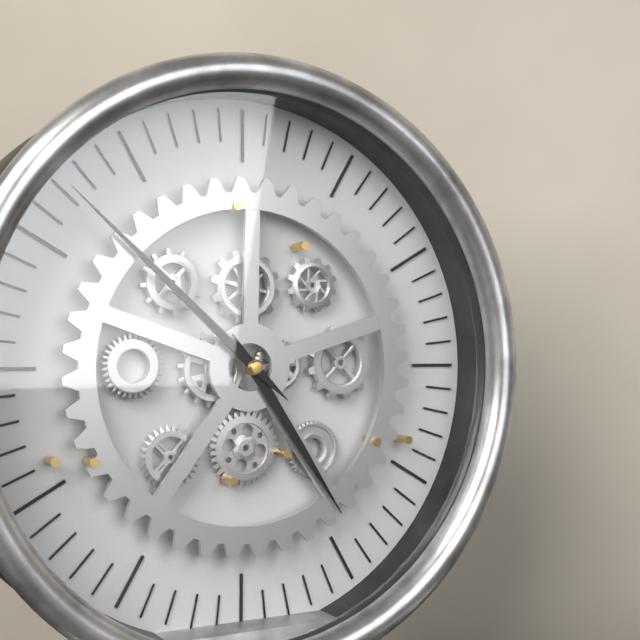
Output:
4.52
